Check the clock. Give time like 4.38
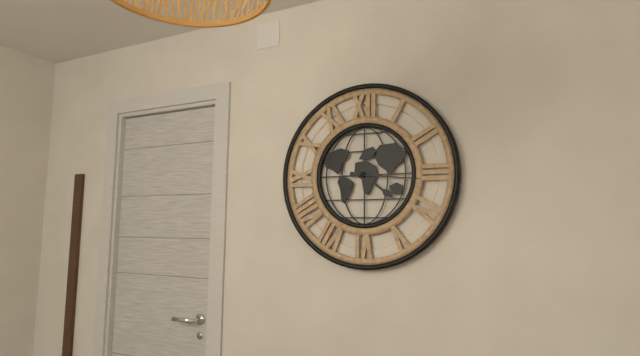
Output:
4.16
